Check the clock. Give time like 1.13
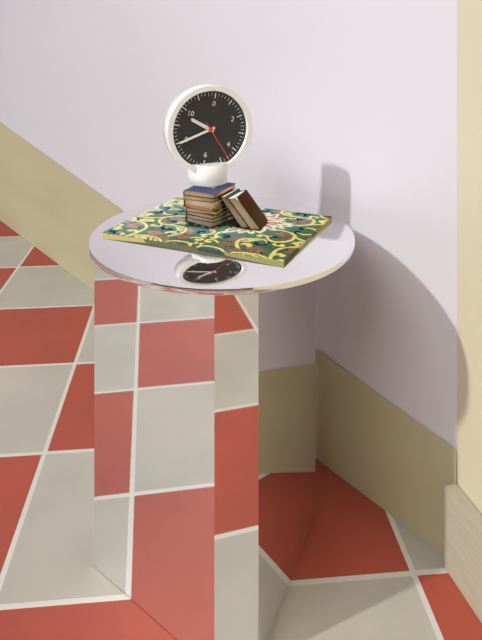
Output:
9.40
